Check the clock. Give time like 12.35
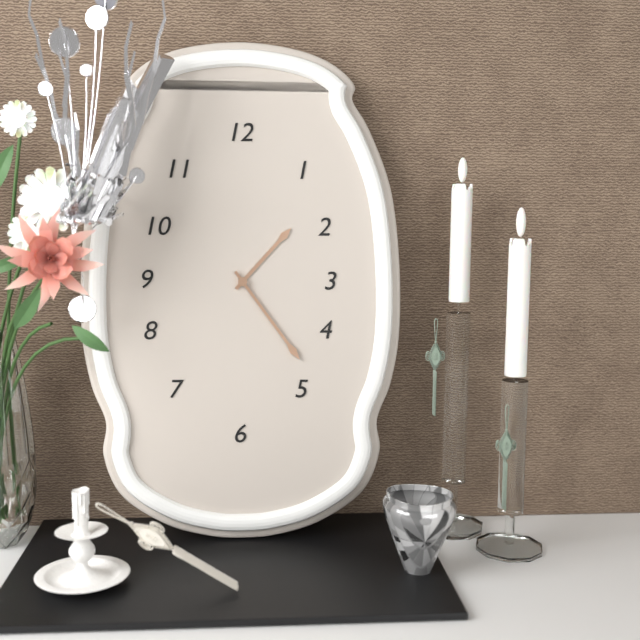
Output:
1.24
